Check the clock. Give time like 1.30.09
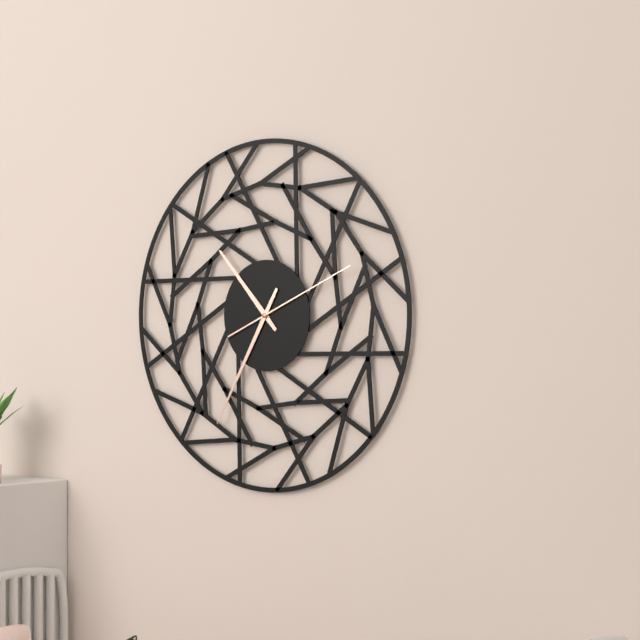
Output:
10.35.11
